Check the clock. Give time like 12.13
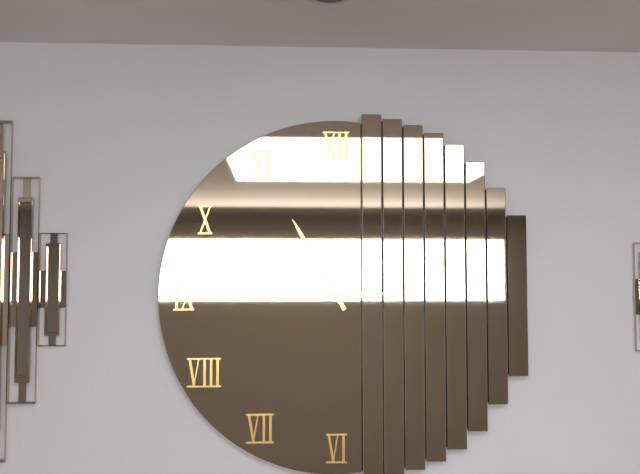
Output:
2.55
